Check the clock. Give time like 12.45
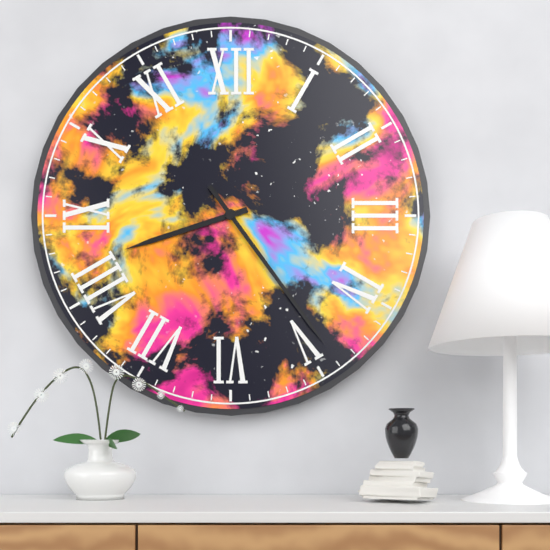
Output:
8.24
